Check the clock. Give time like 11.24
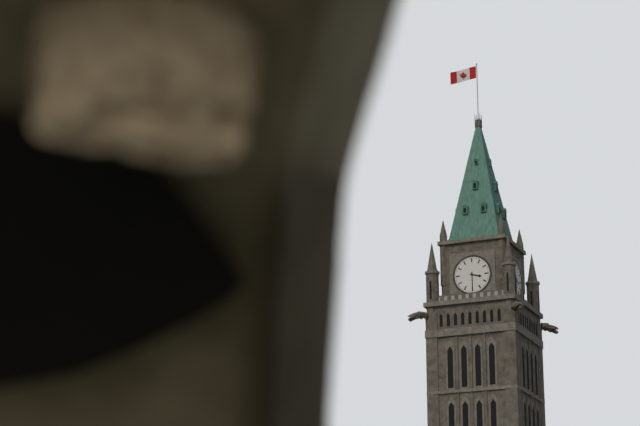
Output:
3.30
